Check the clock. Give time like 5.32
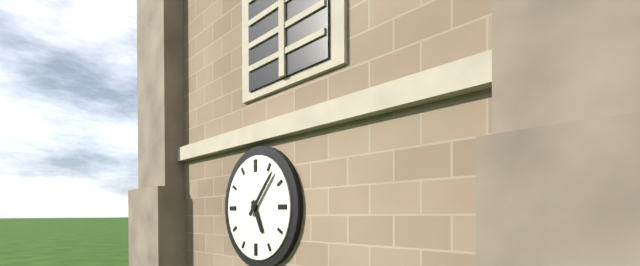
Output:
5.07
